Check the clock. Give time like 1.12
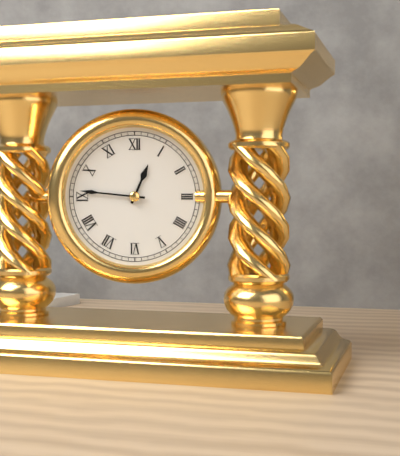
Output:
12.46
